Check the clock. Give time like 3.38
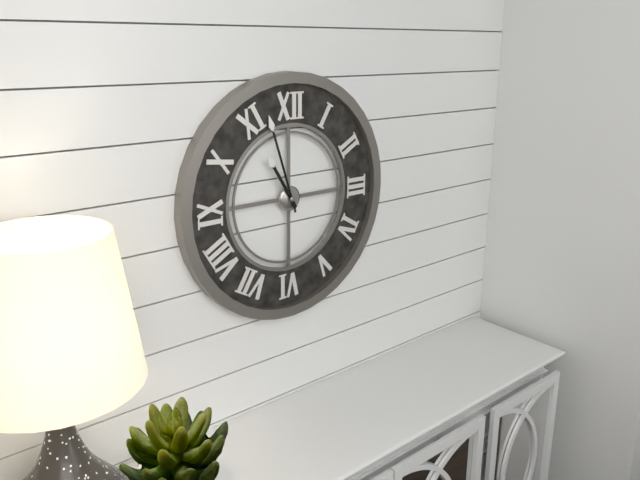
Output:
10.57
